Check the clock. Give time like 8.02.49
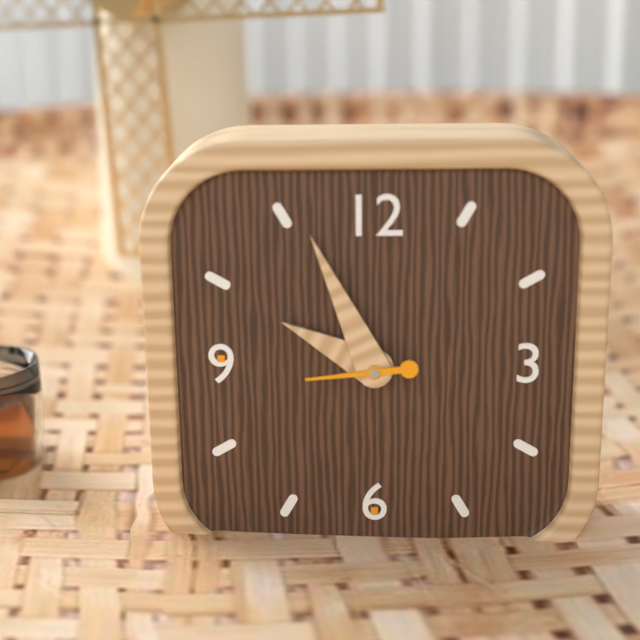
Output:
9.56.44
